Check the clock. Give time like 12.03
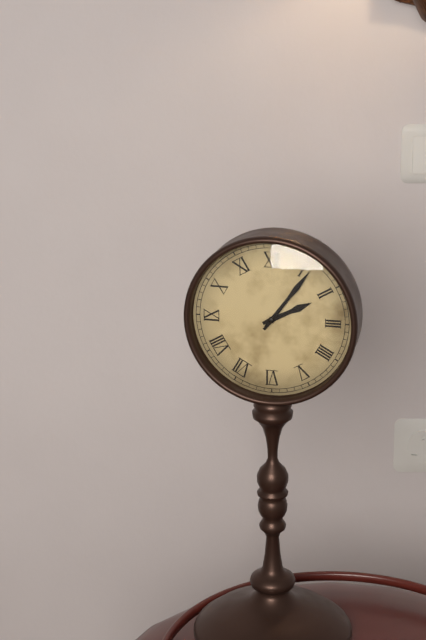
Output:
2.06
